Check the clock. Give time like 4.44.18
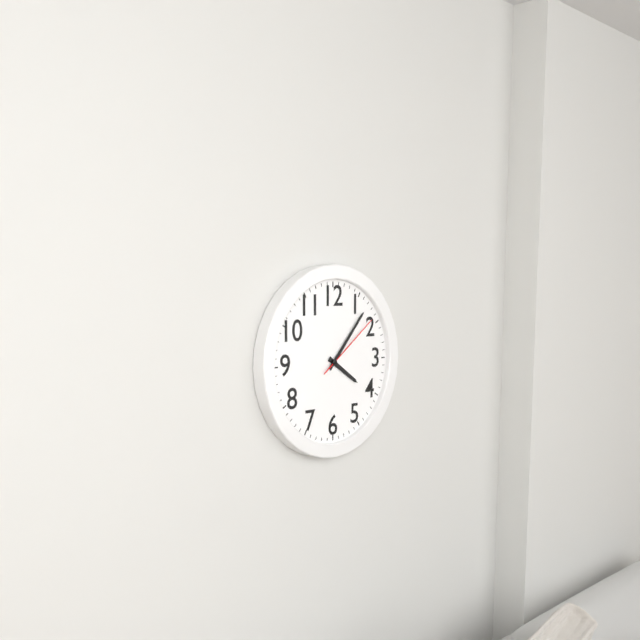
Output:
4.07.09
